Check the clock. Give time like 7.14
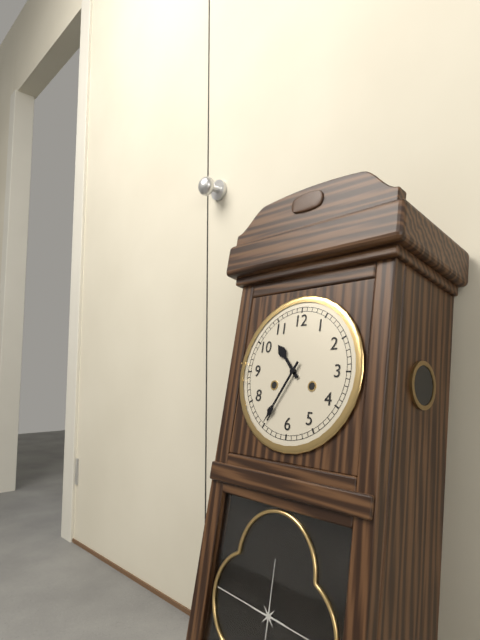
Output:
10.35
